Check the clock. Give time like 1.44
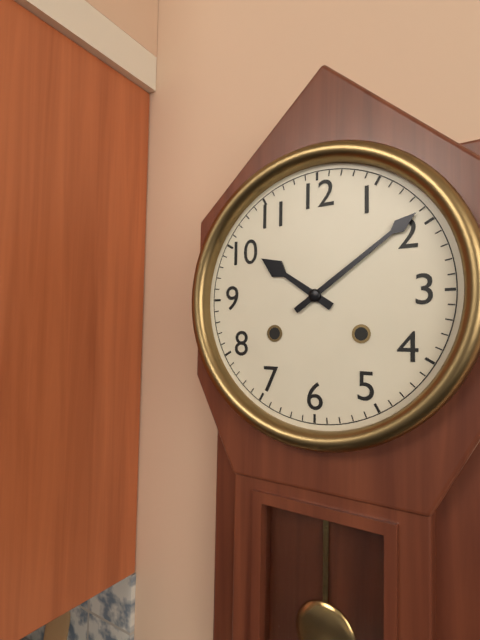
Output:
10.09
